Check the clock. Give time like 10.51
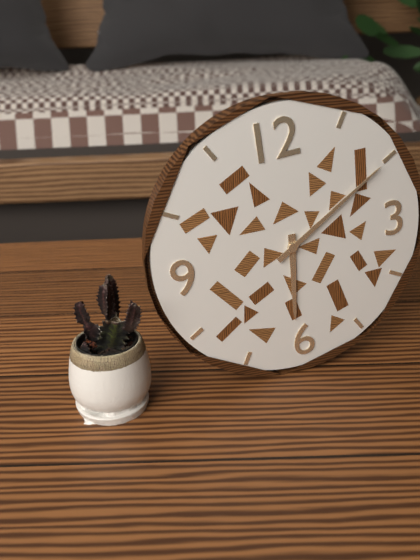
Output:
6.10
